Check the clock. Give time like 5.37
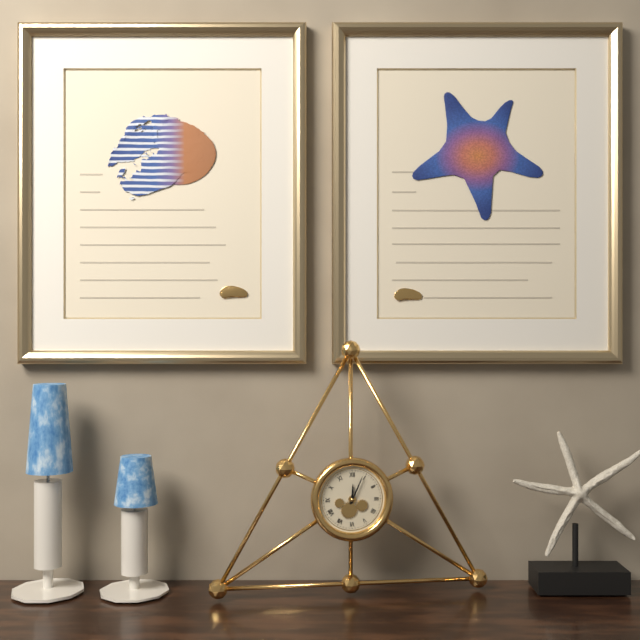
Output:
12.04
